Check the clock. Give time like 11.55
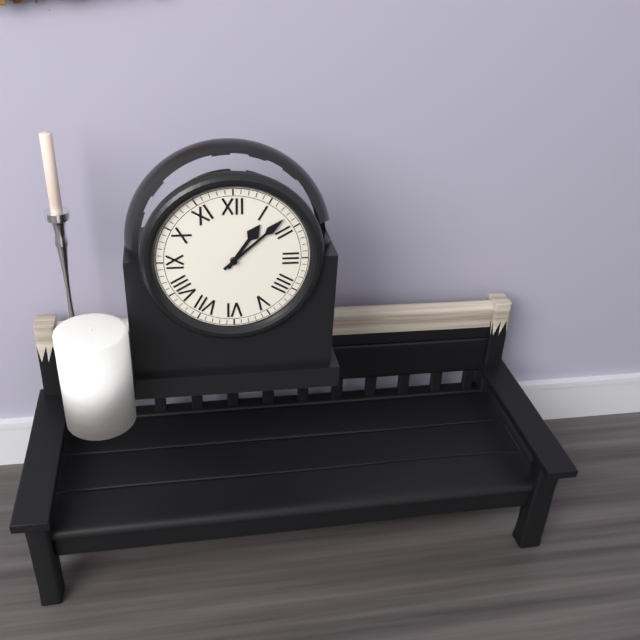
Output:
1.08
